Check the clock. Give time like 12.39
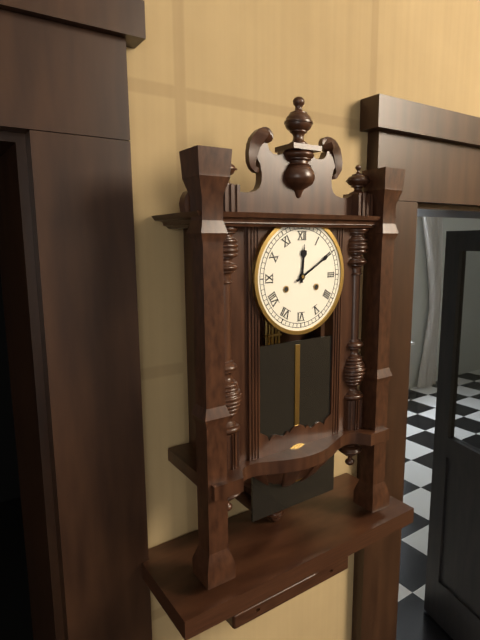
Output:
12.10
